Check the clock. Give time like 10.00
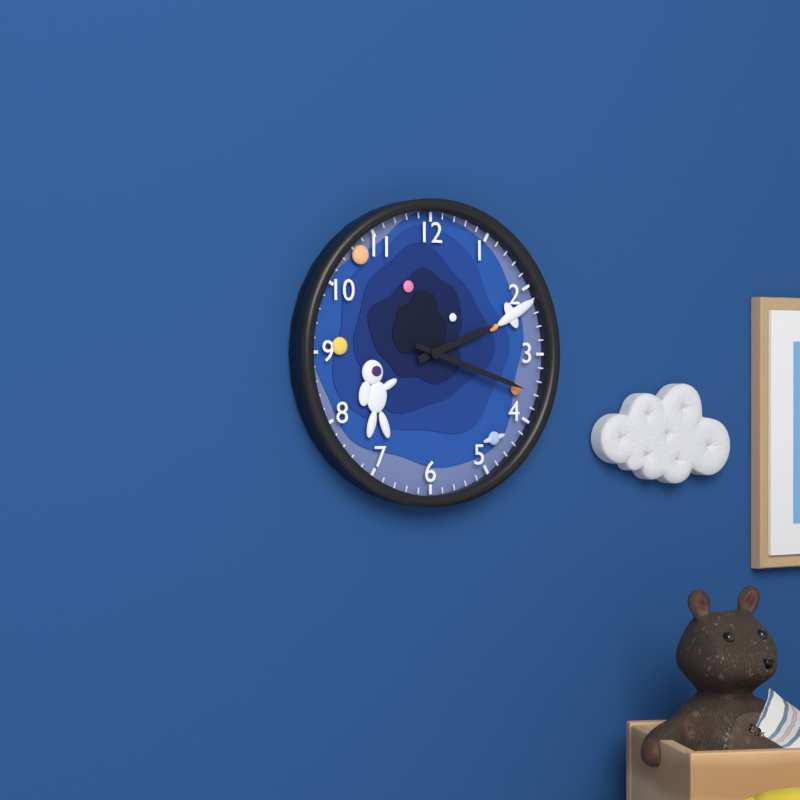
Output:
2.18
